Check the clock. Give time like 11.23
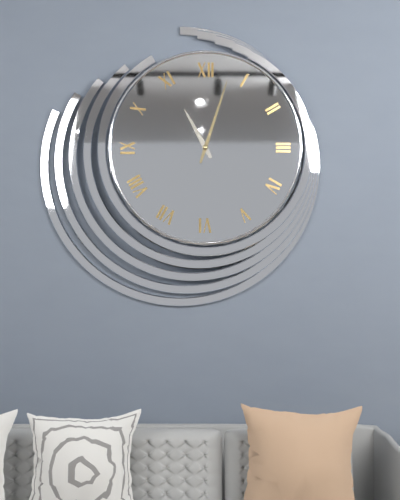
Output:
11.03
